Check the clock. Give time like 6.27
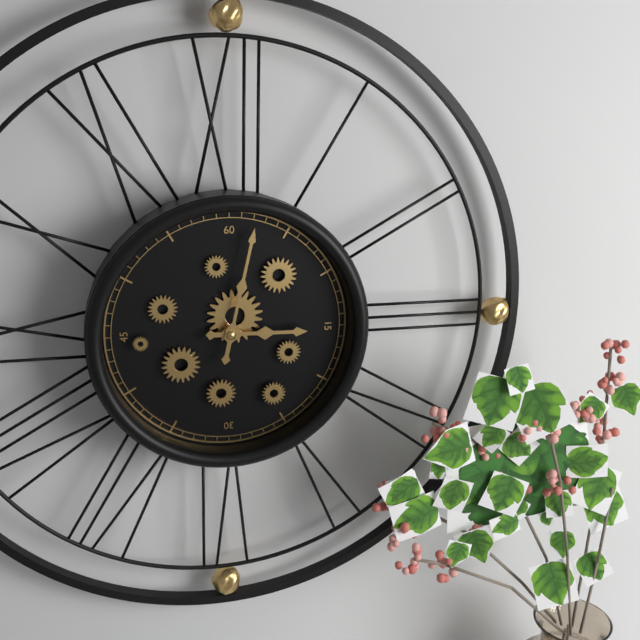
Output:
3.02
